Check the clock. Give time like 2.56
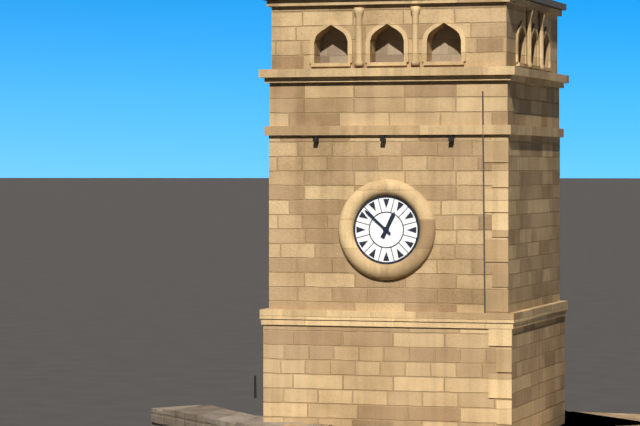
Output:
12.52
